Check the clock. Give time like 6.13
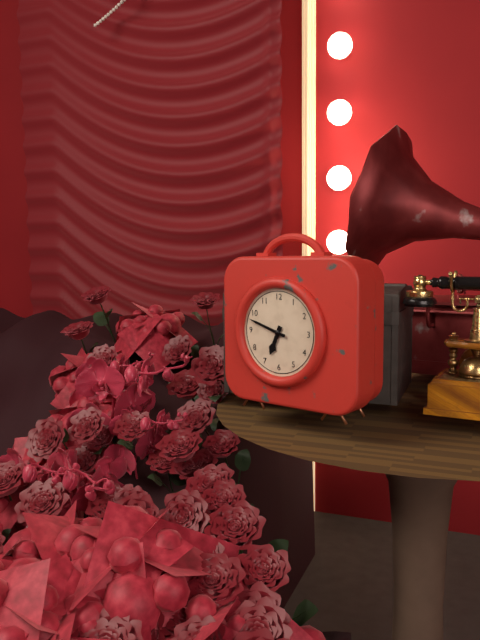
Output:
6.48
